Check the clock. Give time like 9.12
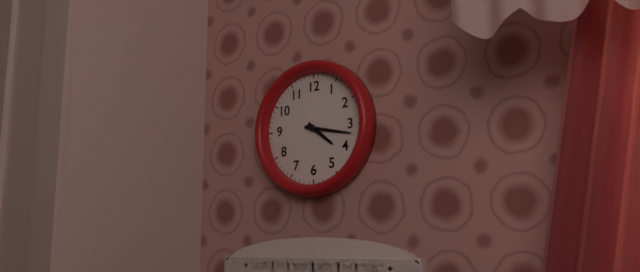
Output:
4.17
